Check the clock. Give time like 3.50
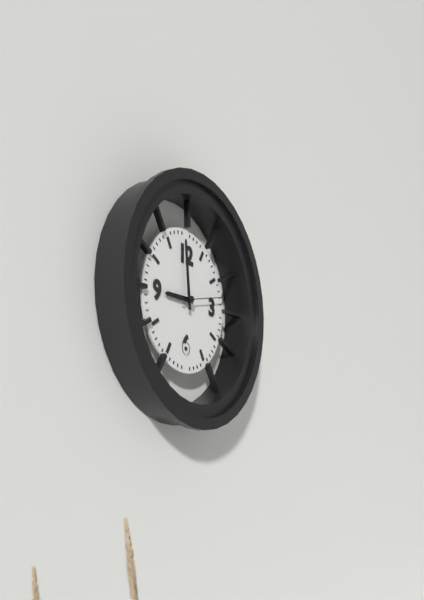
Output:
8.59
